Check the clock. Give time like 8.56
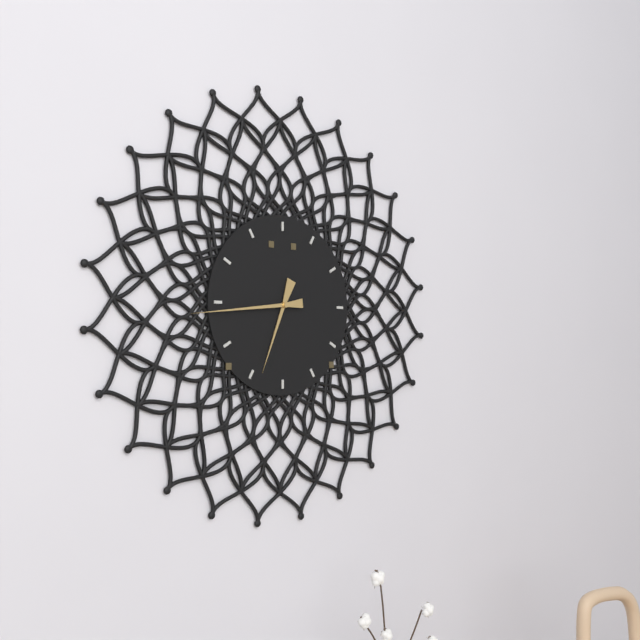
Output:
6.44
